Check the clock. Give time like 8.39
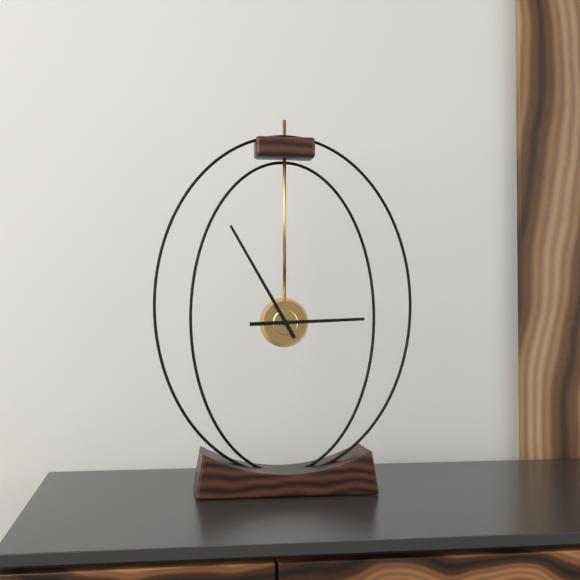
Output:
2.55
